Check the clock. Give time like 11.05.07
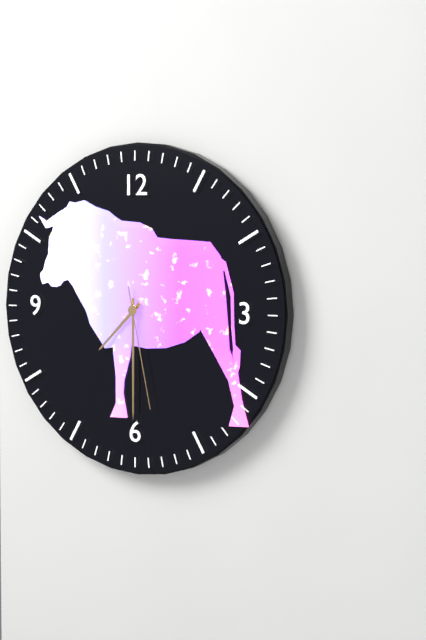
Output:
7.30.28
